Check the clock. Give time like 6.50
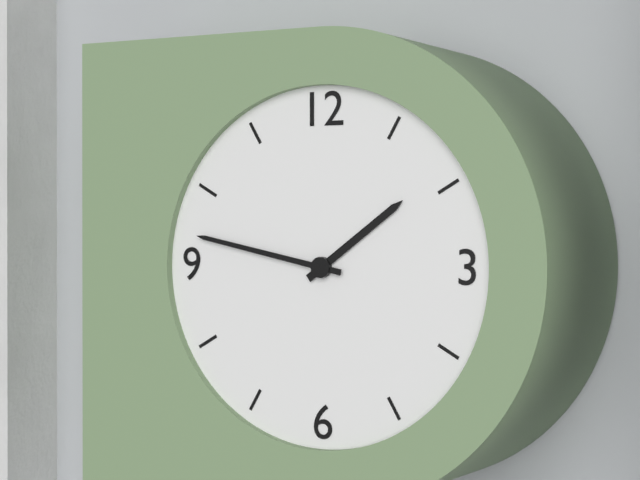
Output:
1.47
